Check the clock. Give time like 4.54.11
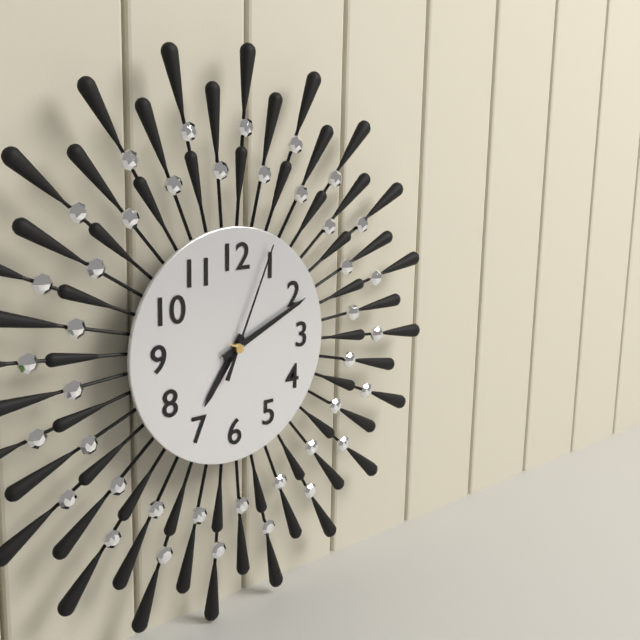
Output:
7.11.04
